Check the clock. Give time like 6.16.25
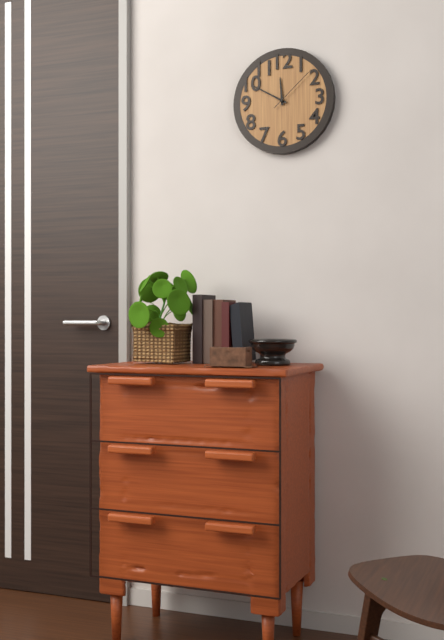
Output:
11.50.08
